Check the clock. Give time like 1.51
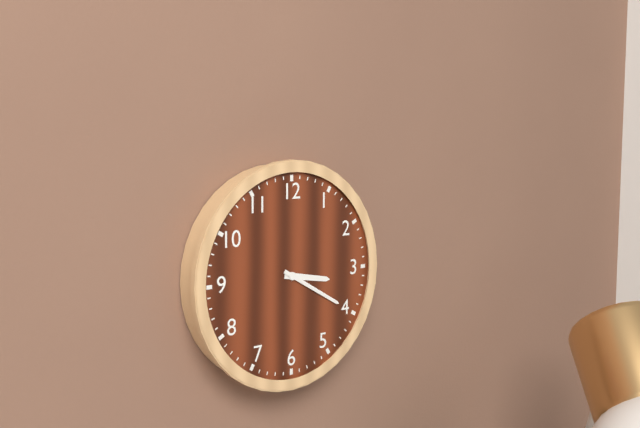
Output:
3.20
